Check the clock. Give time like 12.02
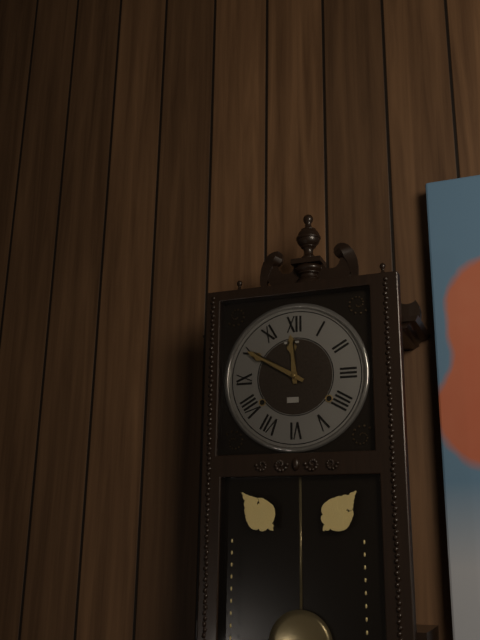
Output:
11.50
